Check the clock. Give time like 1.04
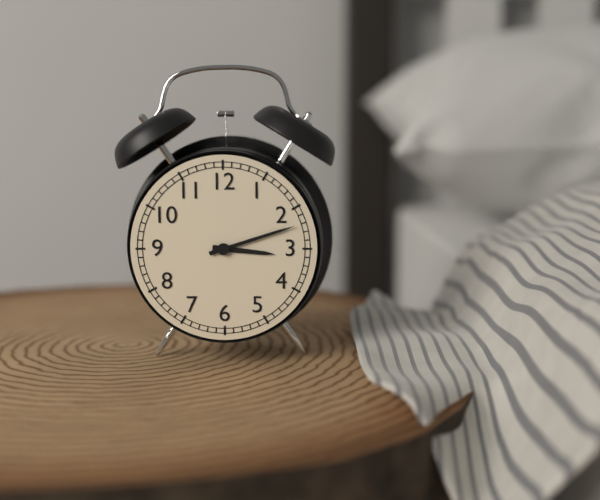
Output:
3.12
